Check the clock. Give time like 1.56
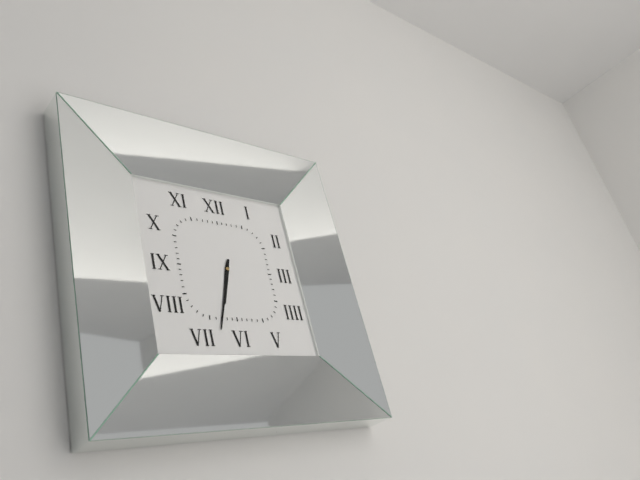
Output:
6.33
